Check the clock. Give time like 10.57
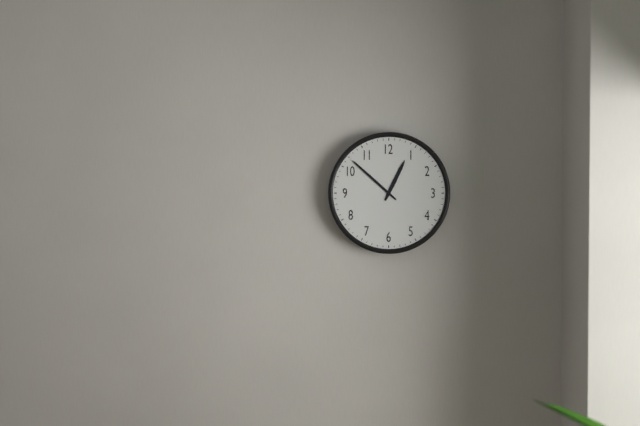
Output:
12.52
